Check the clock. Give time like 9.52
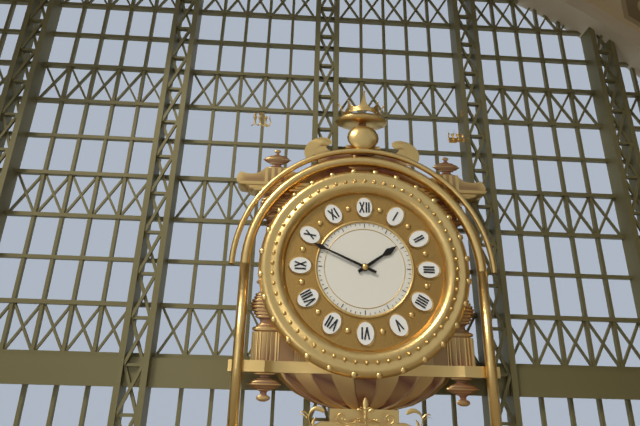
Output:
1.49
